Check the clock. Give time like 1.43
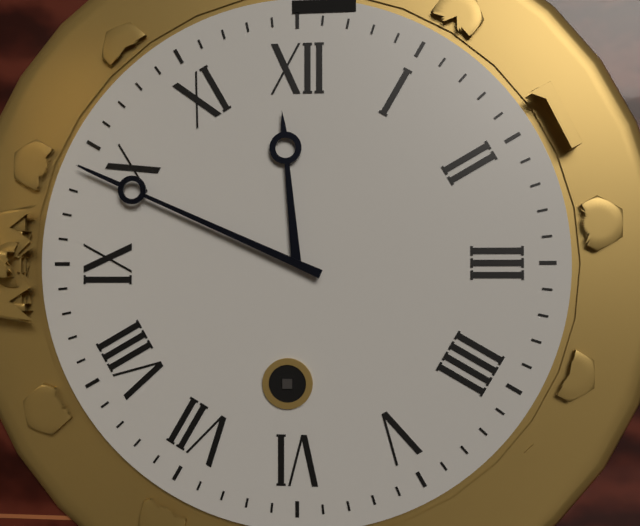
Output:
11.49
